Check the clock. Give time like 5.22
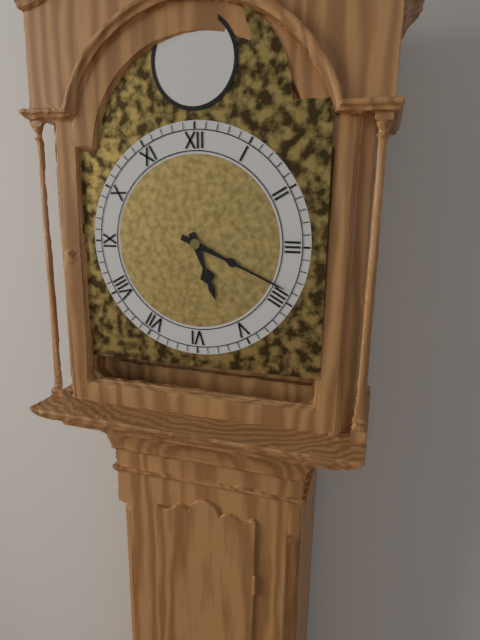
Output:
5.19
